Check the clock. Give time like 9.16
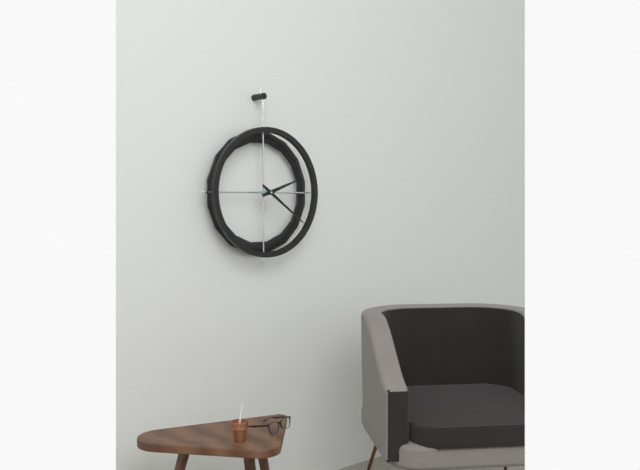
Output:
2.21
